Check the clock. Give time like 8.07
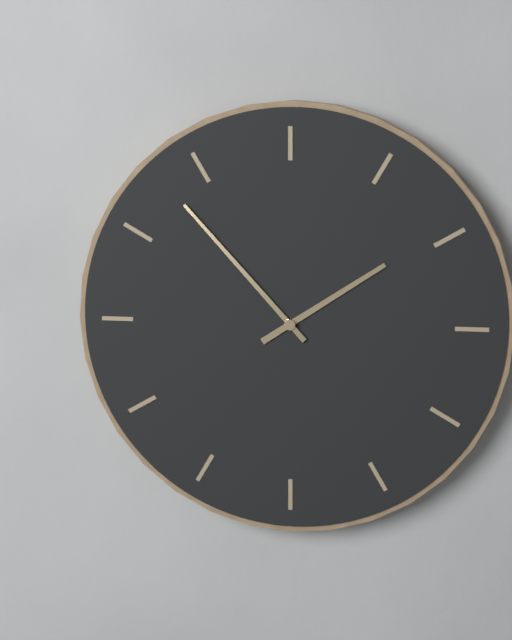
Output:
1.53
